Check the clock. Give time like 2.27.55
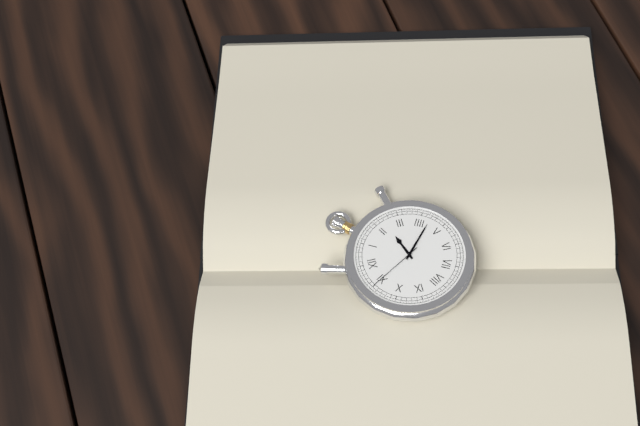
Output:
2.22.55
